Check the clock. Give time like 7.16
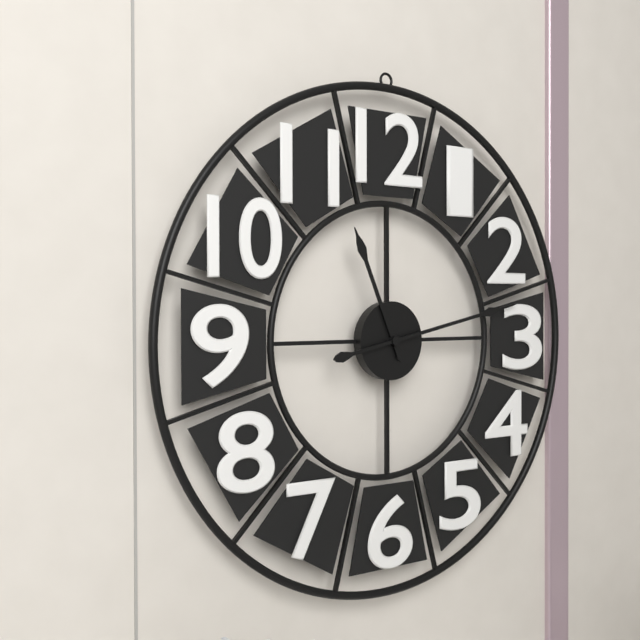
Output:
11.13
